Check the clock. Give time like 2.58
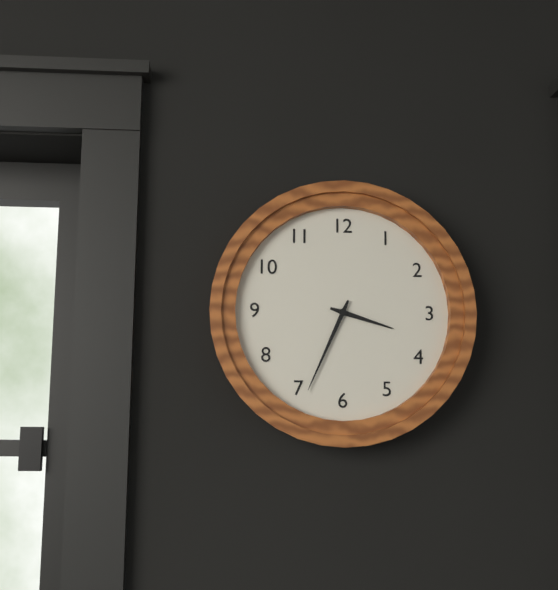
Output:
3.34
